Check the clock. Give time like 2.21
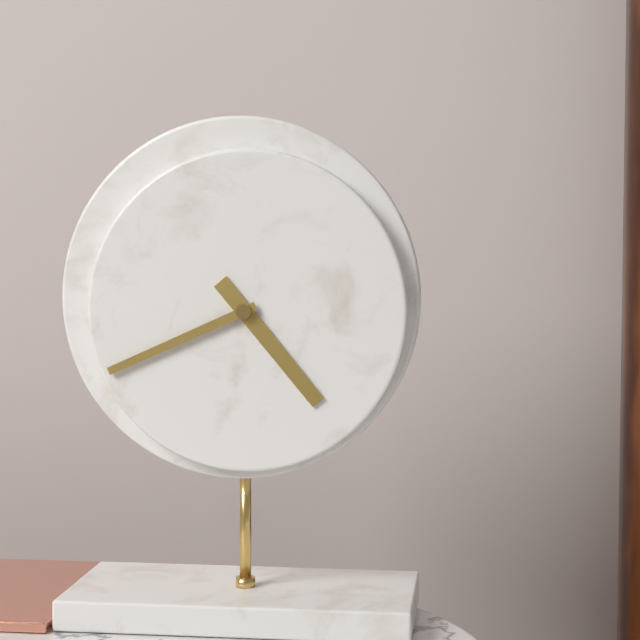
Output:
4.41
